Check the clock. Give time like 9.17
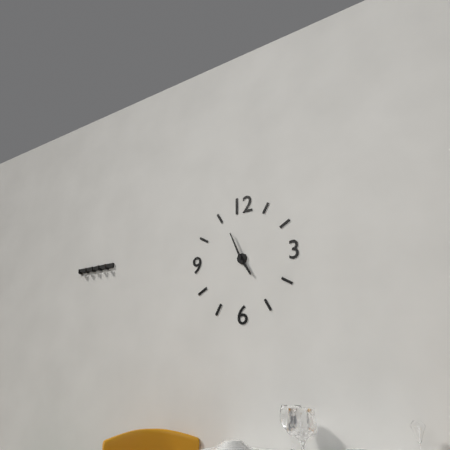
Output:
4.56
